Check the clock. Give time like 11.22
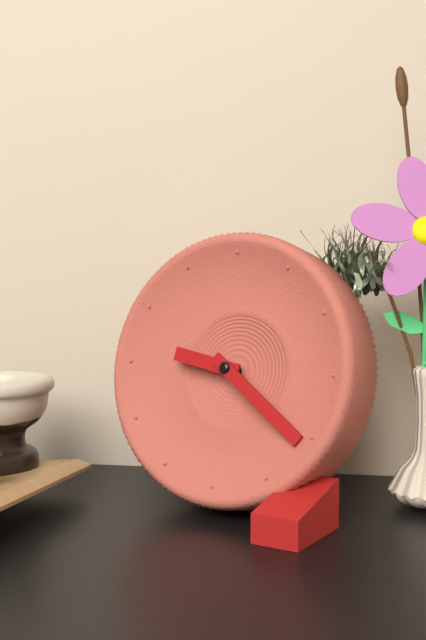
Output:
9.21
